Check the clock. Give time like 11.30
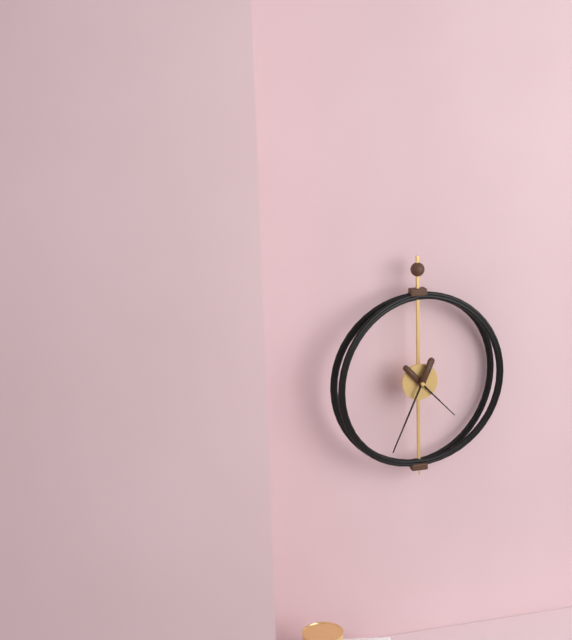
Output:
4.34
